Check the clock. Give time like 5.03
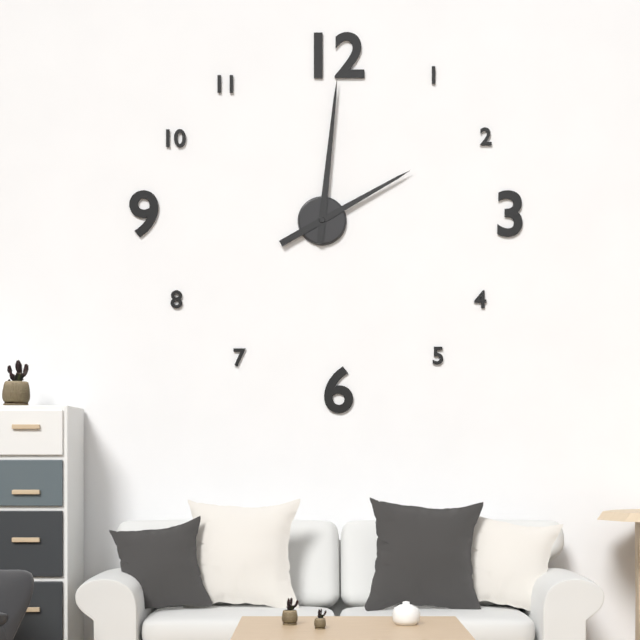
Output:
2.01
